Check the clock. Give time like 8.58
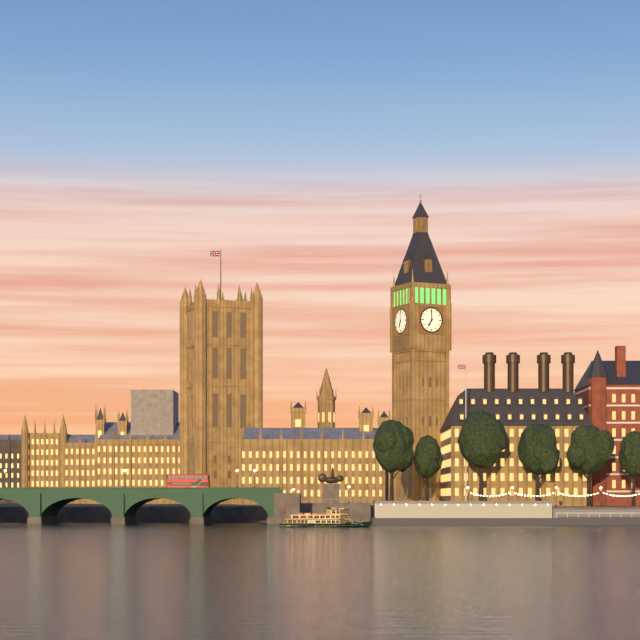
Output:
7.00
